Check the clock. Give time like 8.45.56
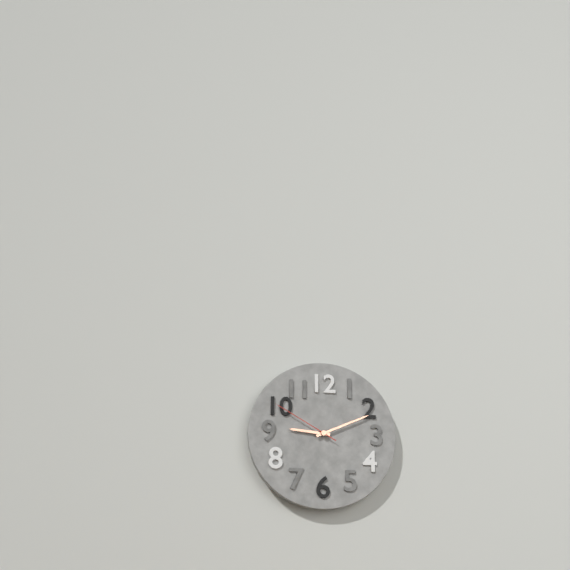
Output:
9.11.50
